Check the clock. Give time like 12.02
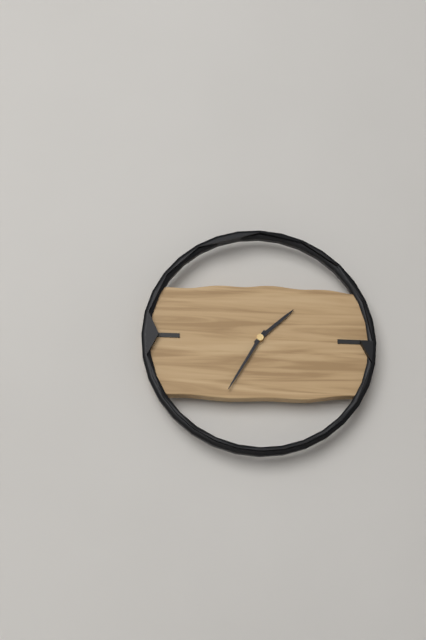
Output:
1.35
